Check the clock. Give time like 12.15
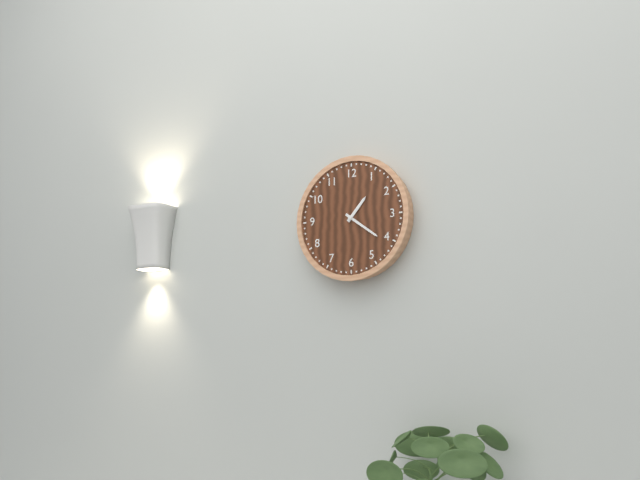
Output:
1.21
